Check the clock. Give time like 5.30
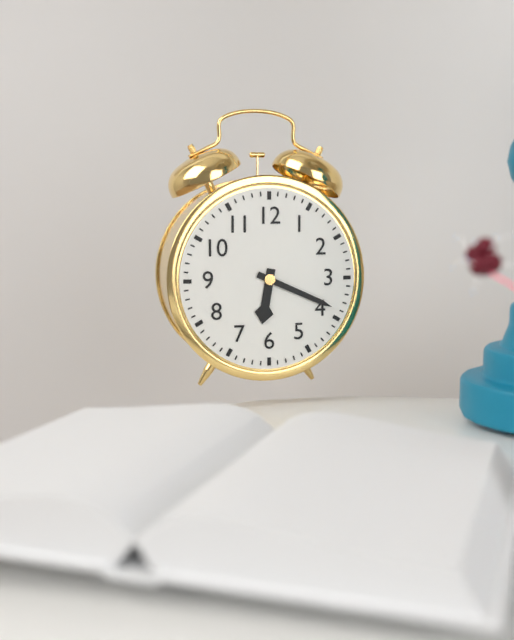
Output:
6.19
